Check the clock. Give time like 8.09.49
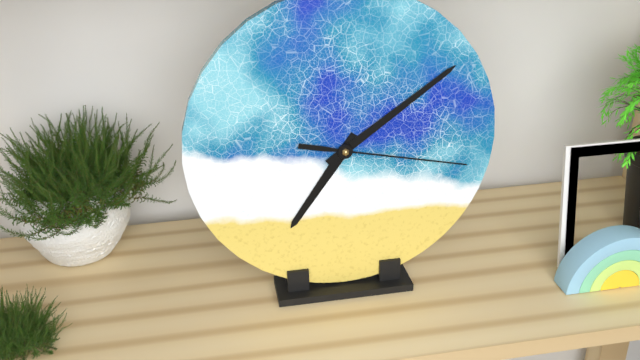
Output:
7.09.17
